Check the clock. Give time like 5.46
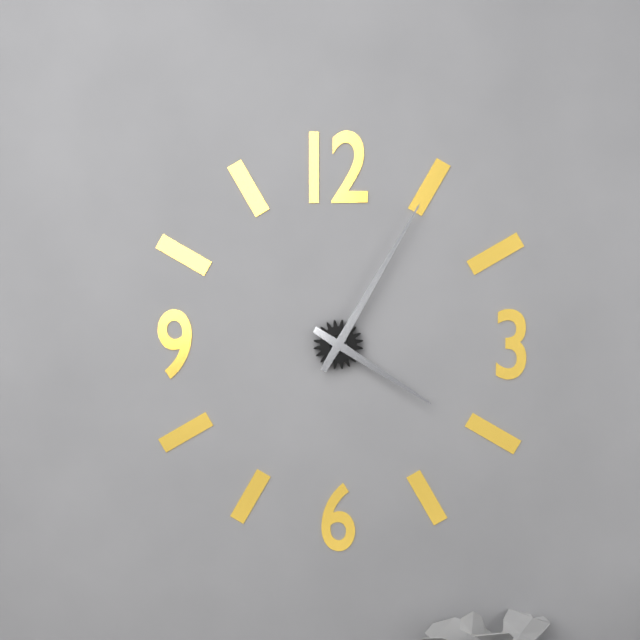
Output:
4.05
